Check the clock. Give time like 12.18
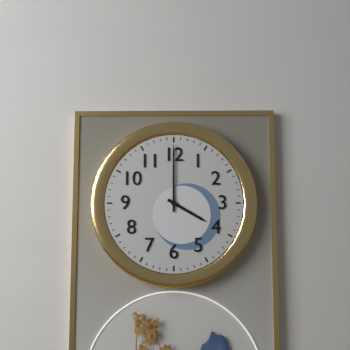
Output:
4.00
